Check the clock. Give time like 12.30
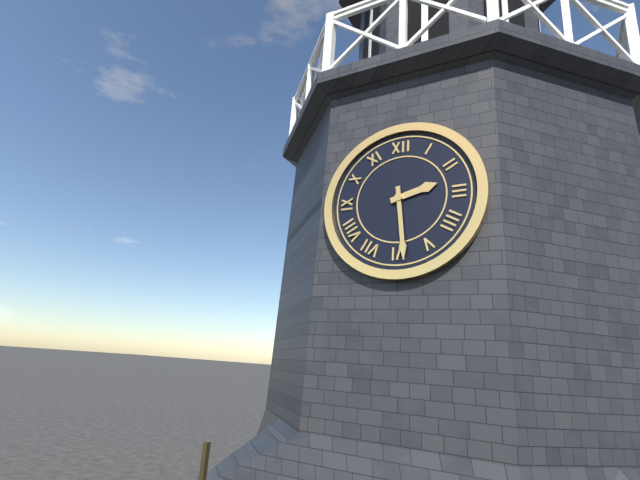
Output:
2.29
